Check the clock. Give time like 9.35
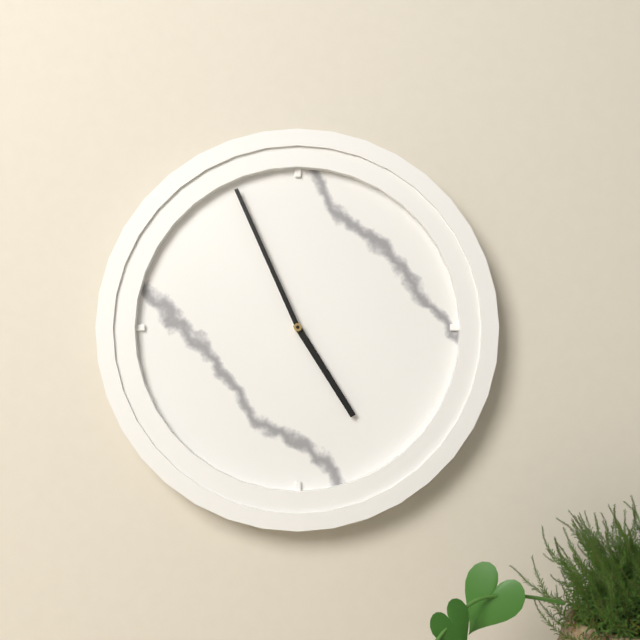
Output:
4.56
